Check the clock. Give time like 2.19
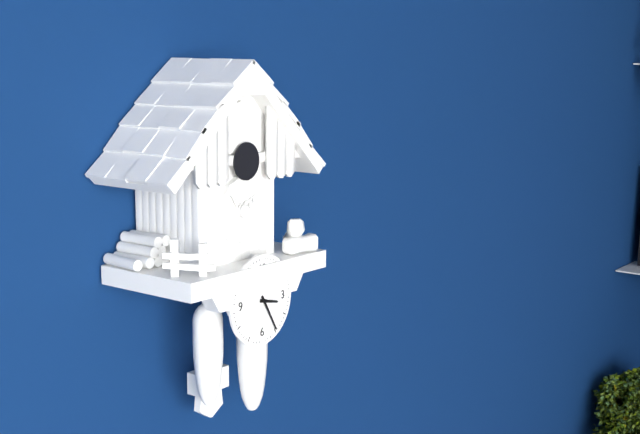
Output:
3.25
